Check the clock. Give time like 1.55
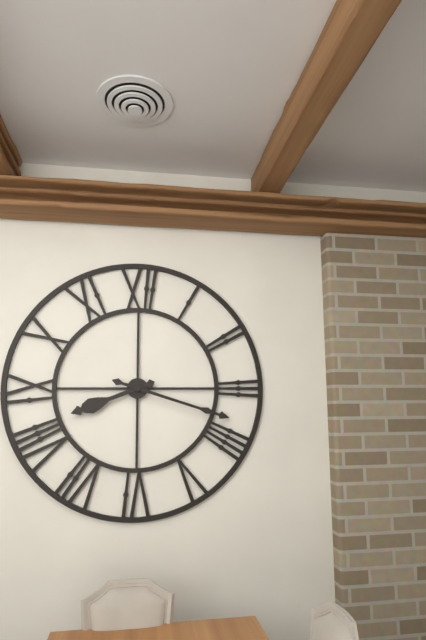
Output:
8.18
